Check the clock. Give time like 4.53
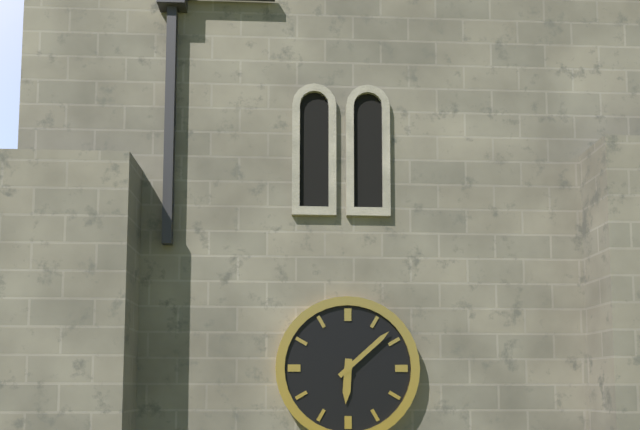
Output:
6.08
